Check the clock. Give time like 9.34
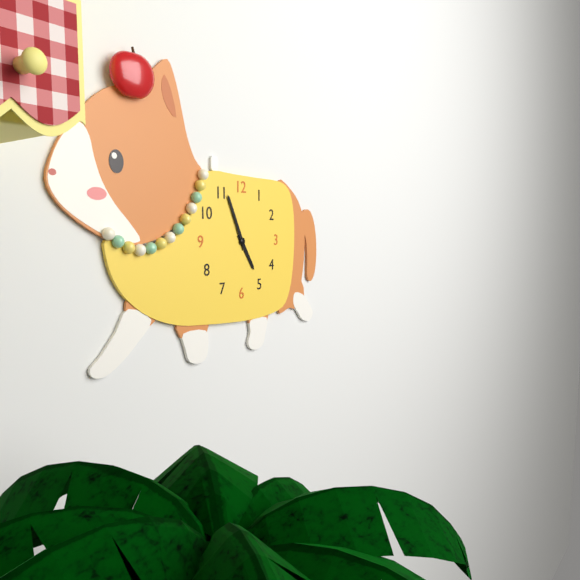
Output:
4.56
